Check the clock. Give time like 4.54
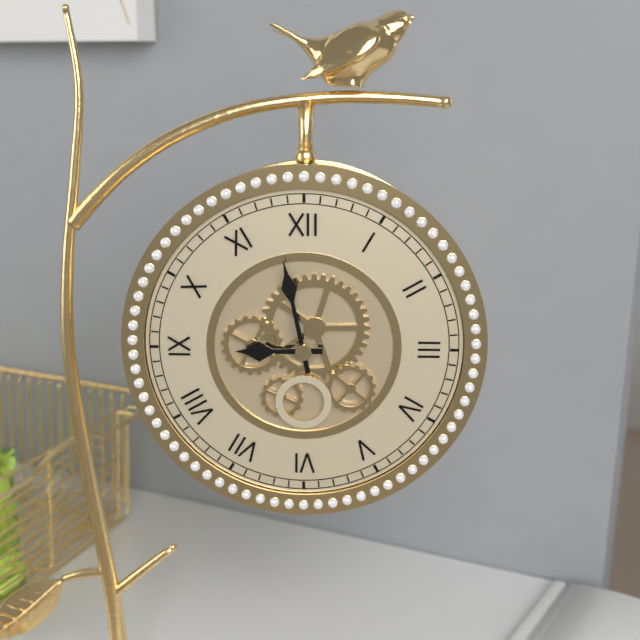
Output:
8.58
